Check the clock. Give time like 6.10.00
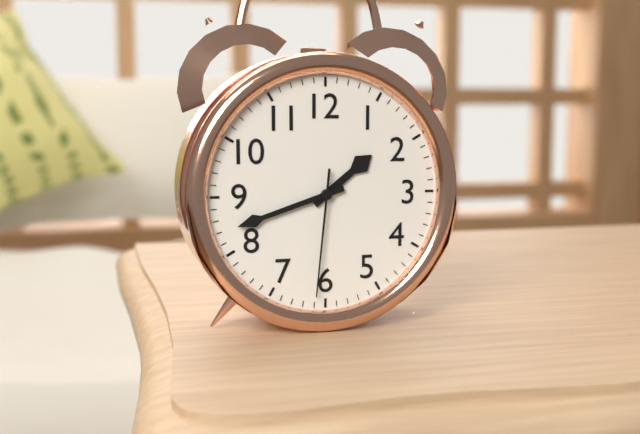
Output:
1.42.31
